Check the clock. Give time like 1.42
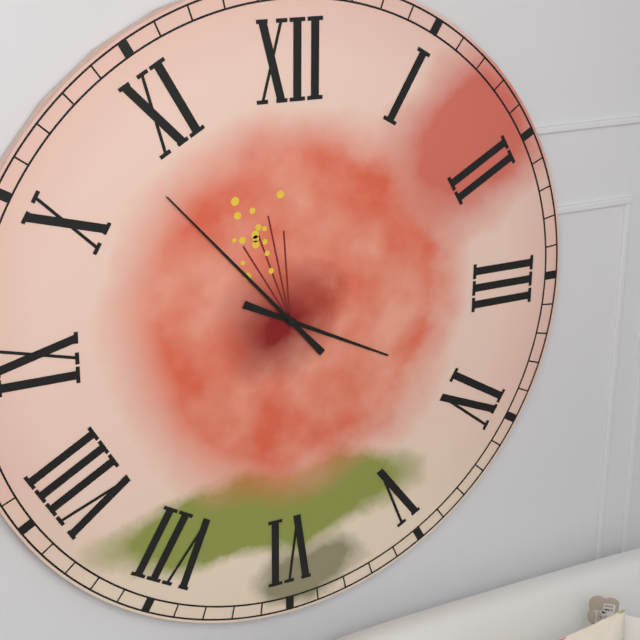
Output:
3.53
